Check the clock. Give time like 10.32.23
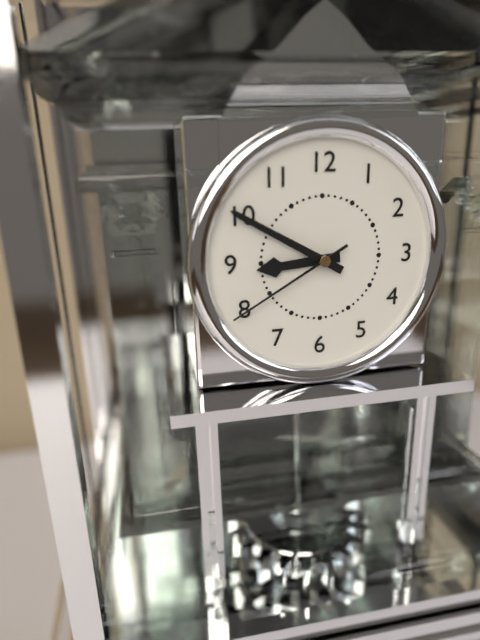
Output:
8.50.40
